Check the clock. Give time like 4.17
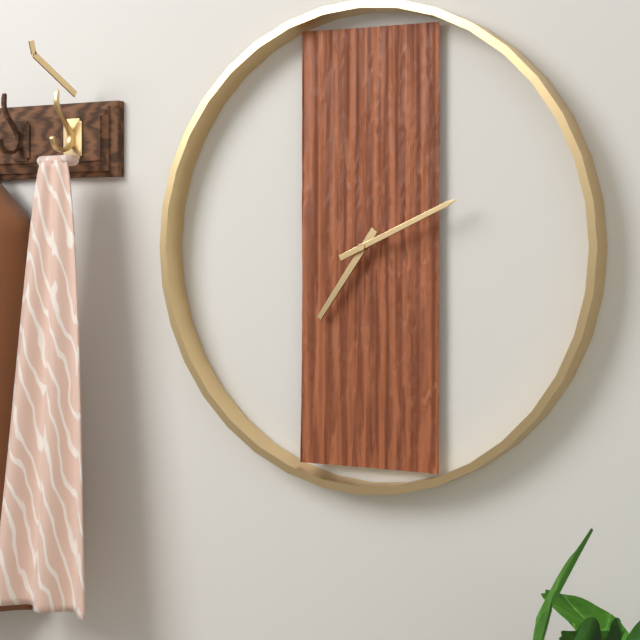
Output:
7.11
